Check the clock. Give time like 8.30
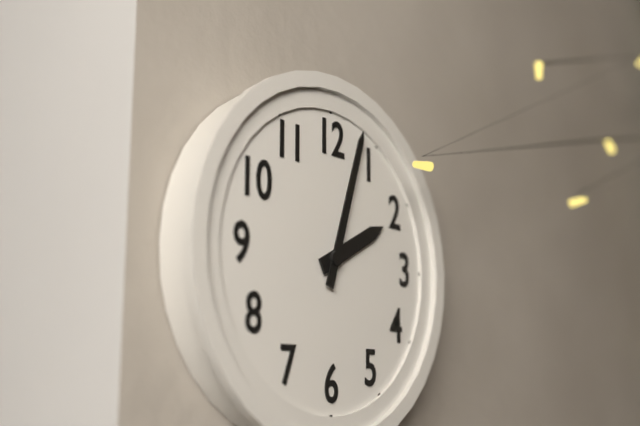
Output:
2.03
